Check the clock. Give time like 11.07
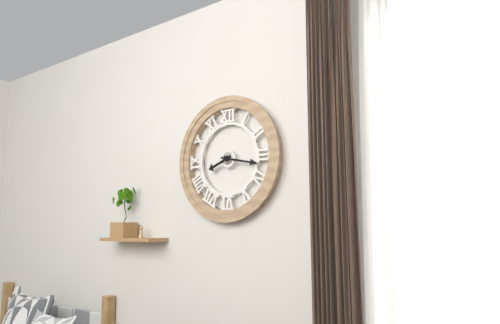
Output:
8.17
